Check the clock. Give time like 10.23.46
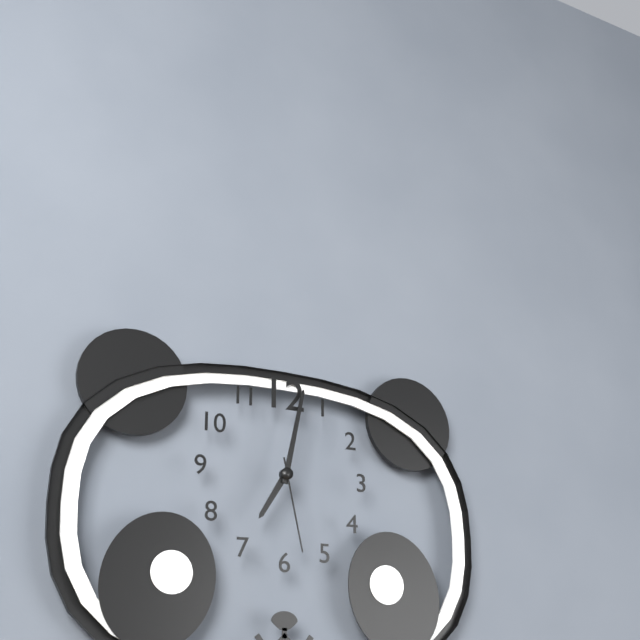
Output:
7.02.28
